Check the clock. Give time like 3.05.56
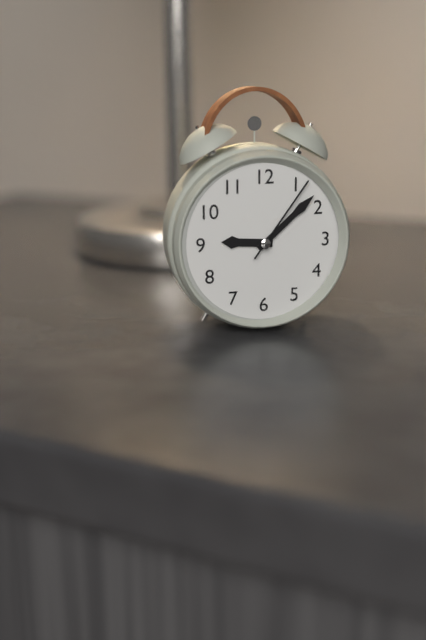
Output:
9.08.06
